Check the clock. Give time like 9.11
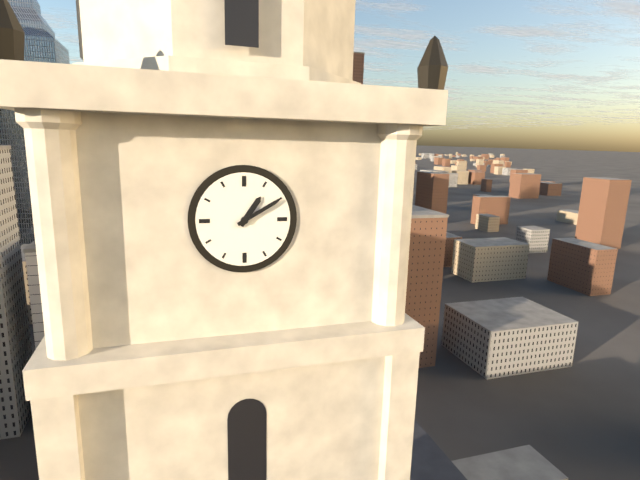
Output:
1.10
